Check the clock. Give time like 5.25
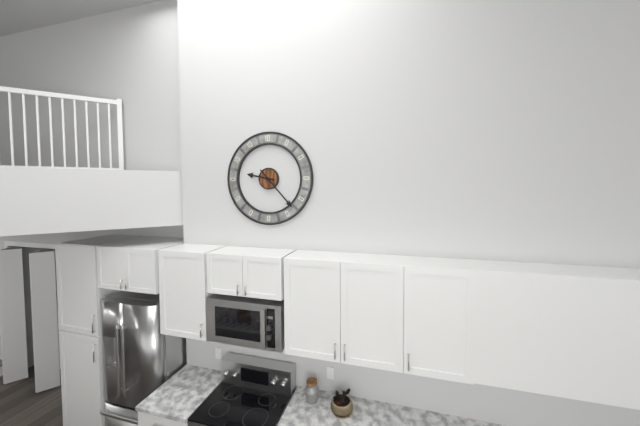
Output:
9.23
